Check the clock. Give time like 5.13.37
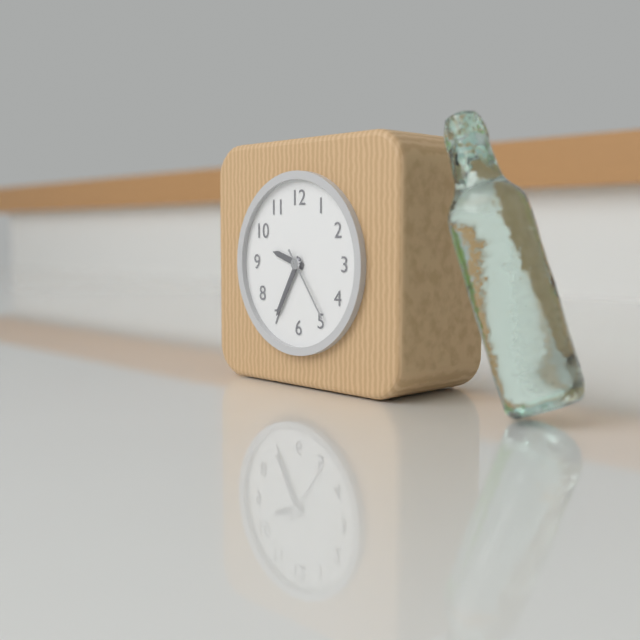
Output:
9.35.24
